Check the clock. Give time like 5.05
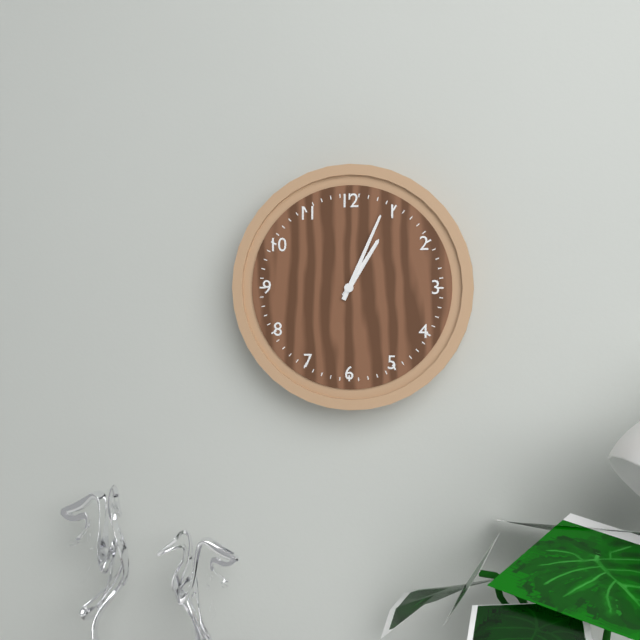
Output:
1.04
